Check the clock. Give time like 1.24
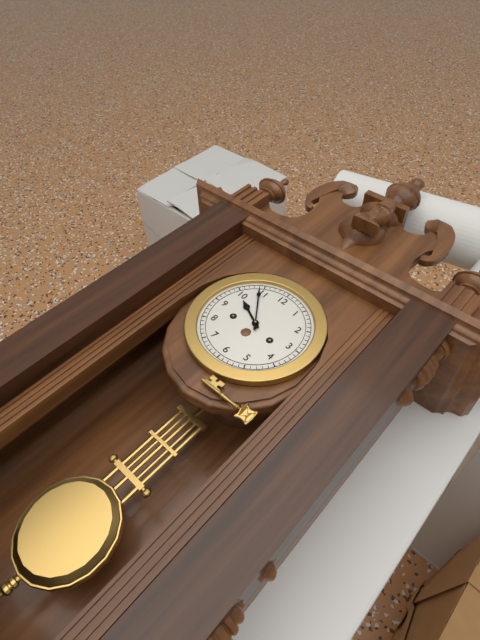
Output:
9.54
